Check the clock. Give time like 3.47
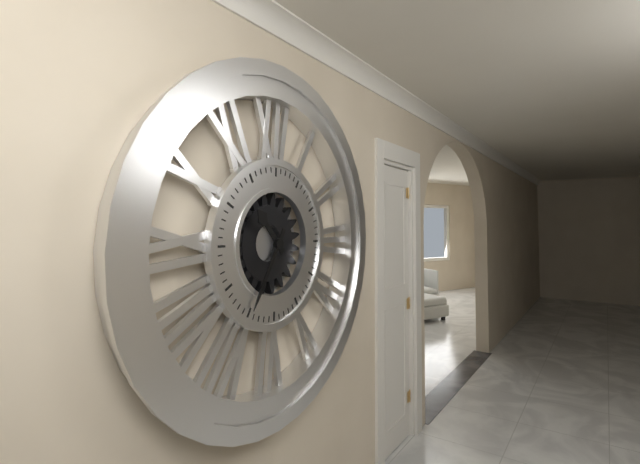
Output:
10.35
